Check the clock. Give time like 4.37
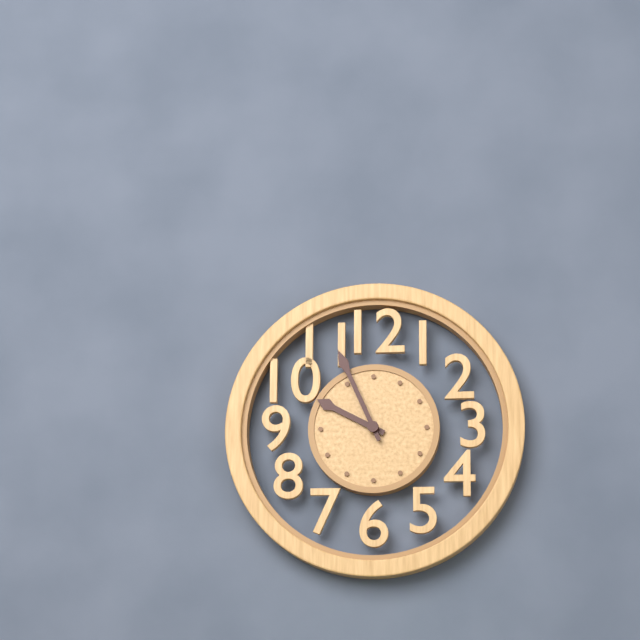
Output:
9.56
